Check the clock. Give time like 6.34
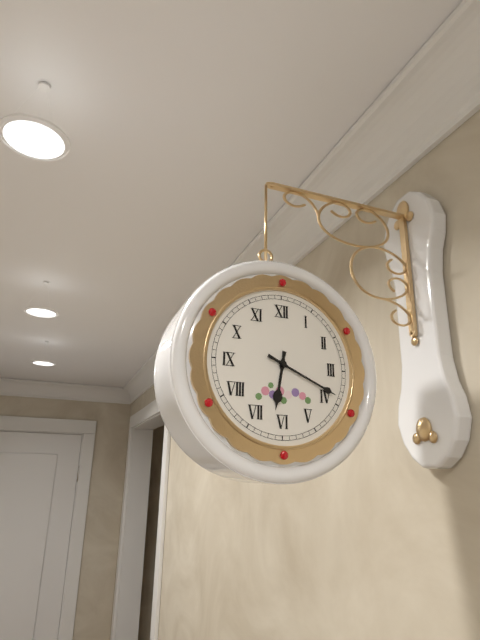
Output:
6.19
